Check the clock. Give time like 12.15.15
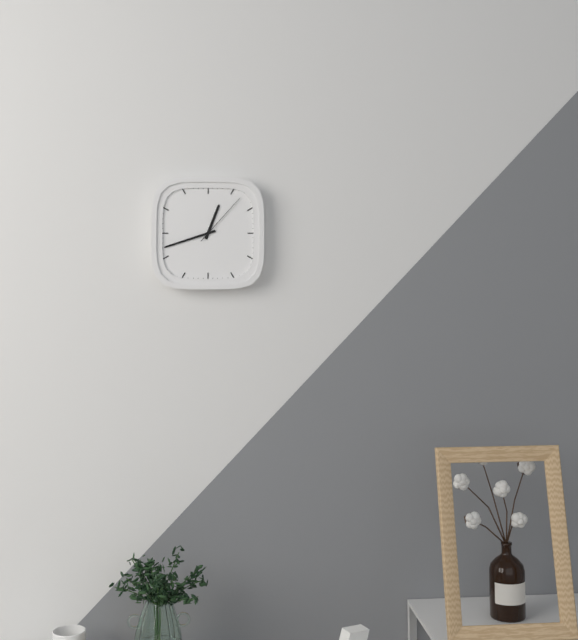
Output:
12.42.07
